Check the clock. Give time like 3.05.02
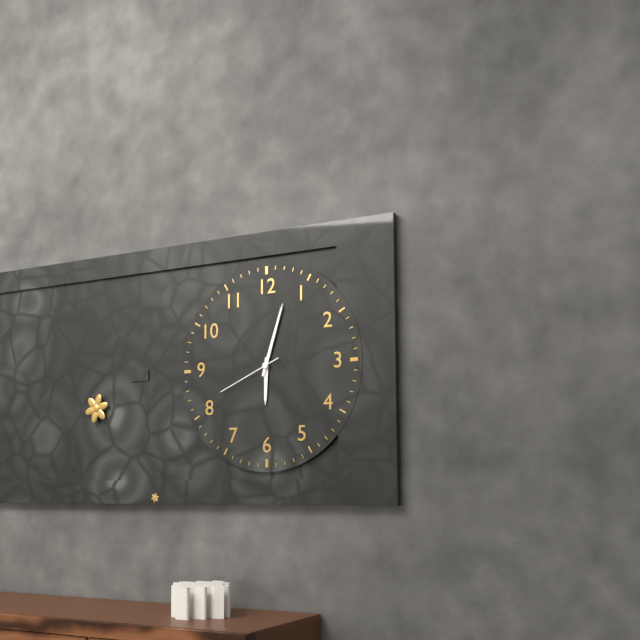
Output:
6.03.41
